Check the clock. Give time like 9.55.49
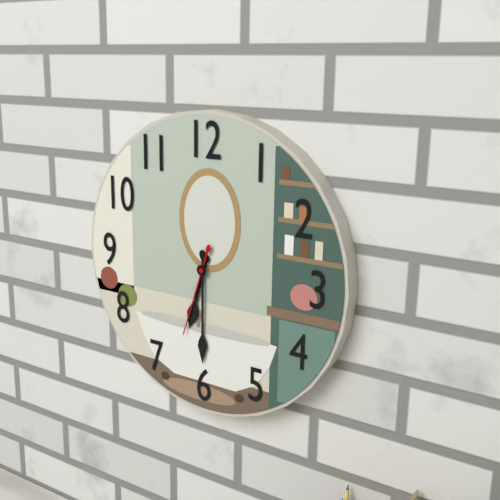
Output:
6.30.33
